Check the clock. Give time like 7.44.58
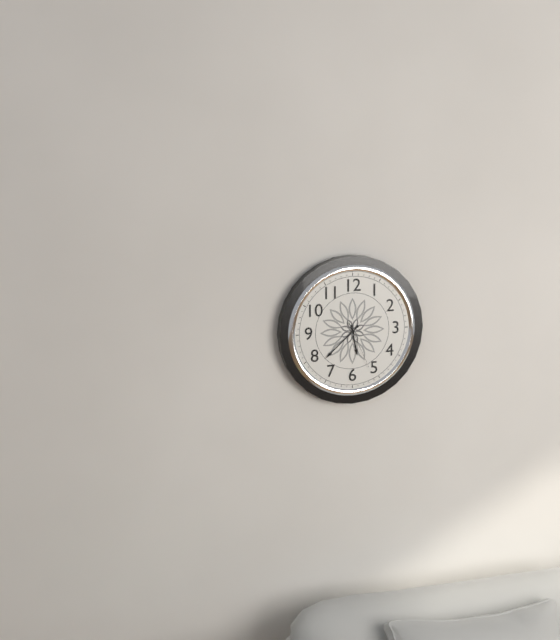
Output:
5.38.26
